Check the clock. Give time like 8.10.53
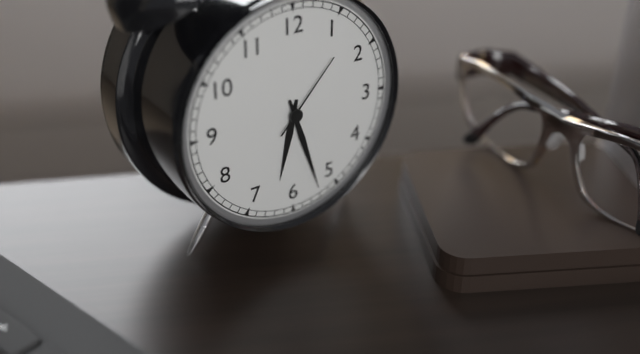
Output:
6.27.07
